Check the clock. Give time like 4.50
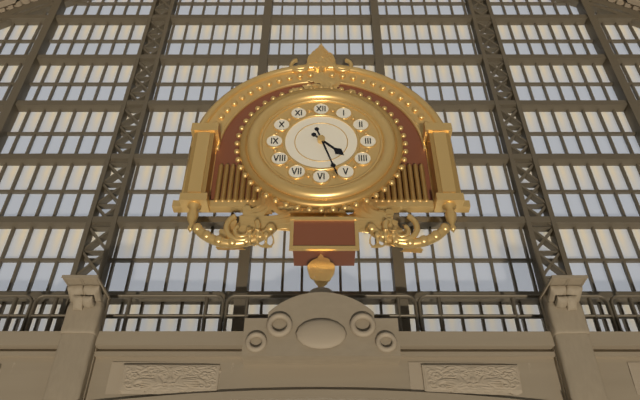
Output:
4.27
